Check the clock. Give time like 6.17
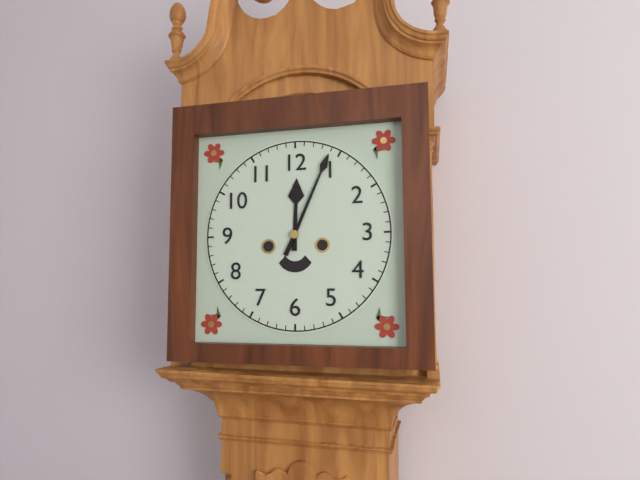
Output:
12.04
